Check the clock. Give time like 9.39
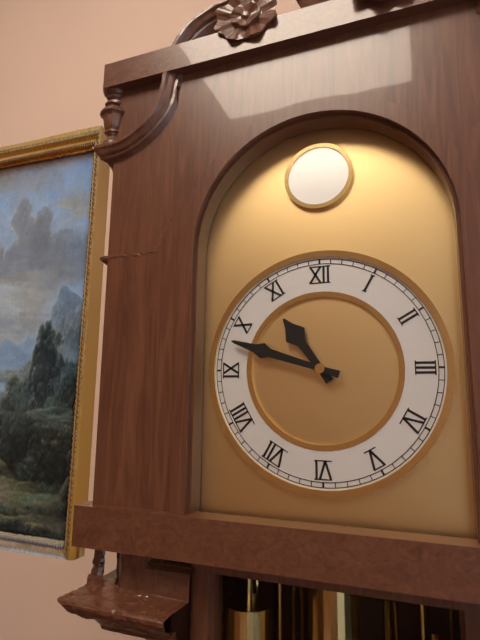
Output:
10.48
